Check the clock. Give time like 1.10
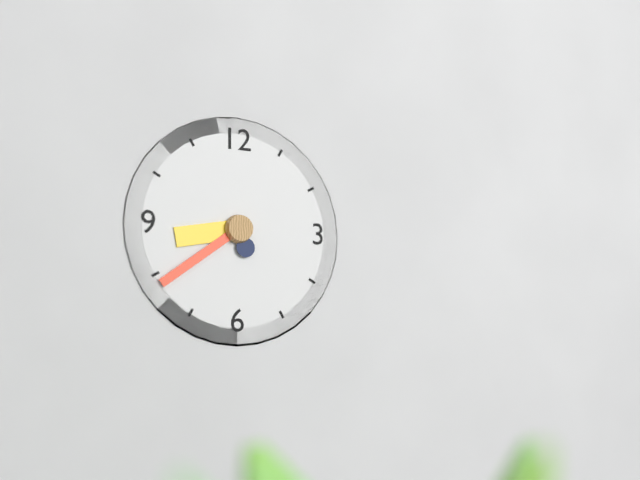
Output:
8.39
